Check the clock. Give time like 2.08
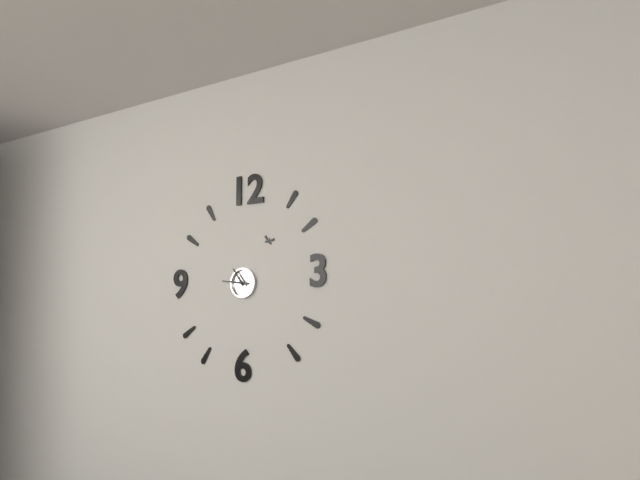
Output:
10.46
